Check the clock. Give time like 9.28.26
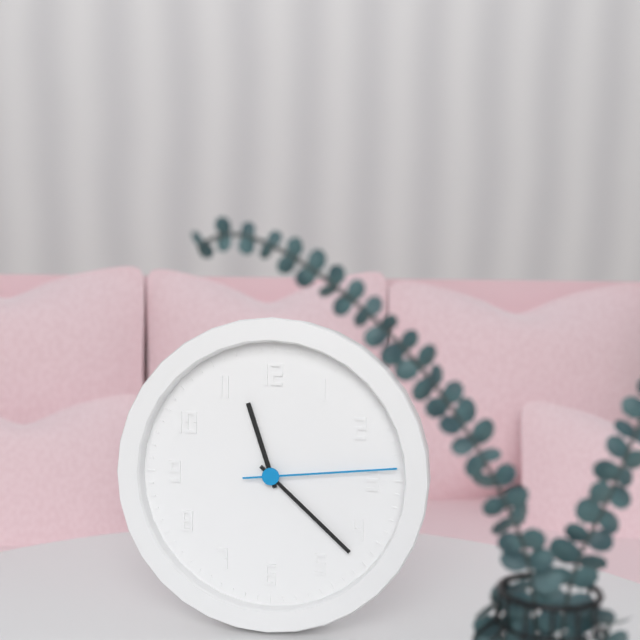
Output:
11.22.14
